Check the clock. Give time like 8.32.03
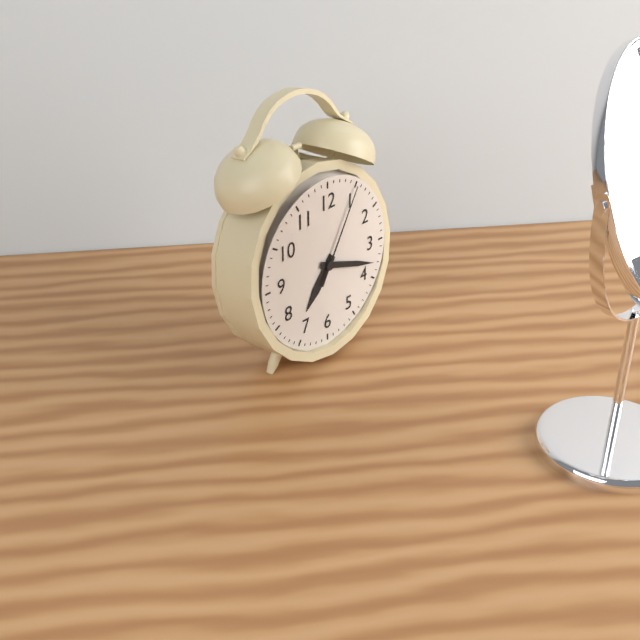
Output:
7.18.05
